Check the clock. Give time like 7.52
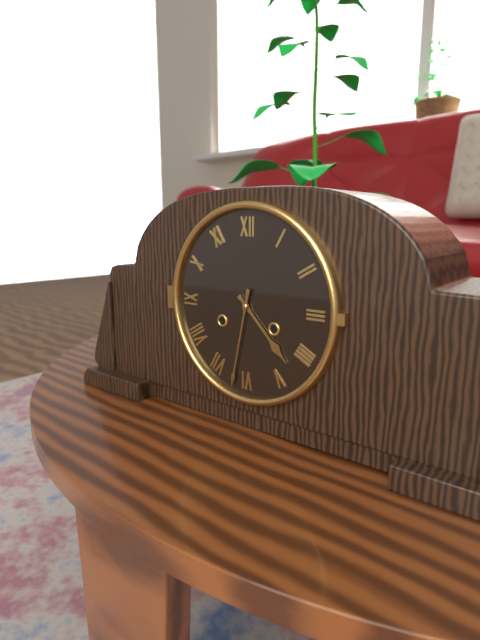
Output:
4.32
